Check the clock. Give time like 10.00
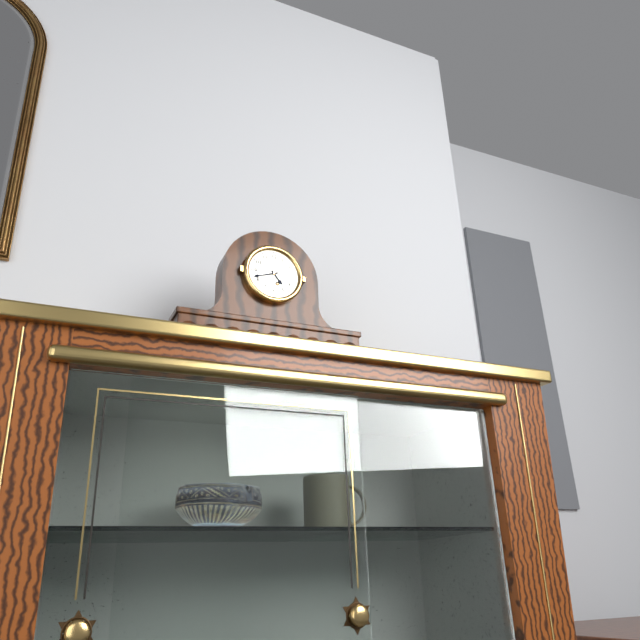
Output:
4.42
